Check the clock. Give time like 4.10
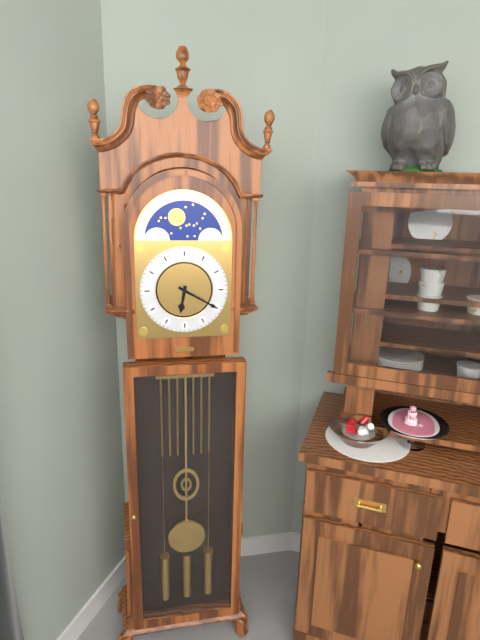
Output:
6.20
